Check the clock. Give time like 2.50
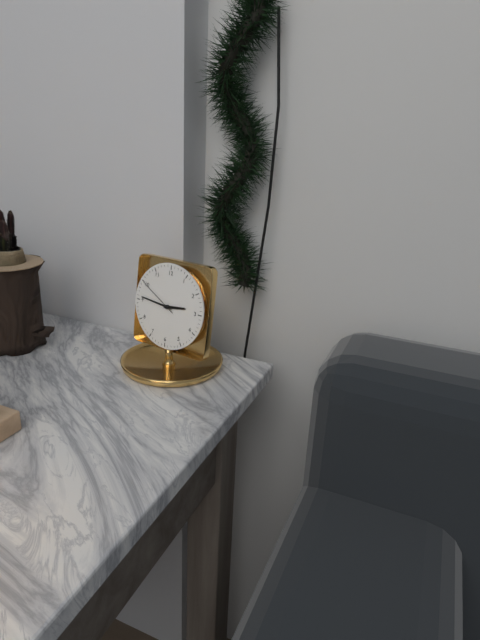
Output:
2.46
